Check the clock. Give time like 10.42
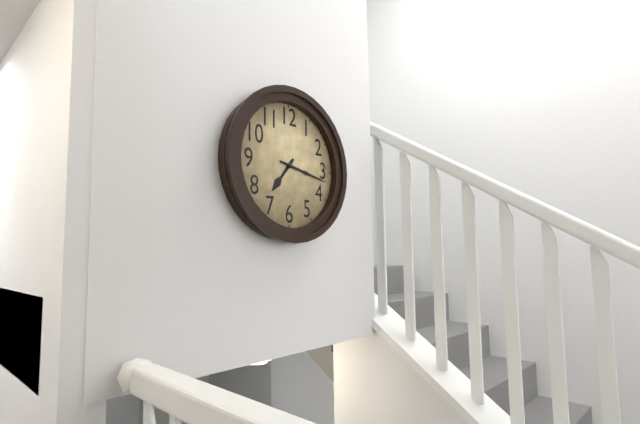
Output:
7.17
